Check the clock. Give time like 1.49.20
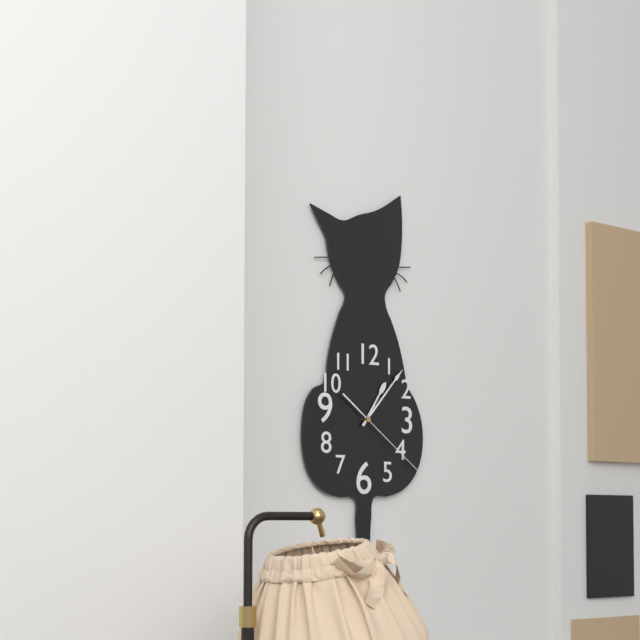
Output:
1.07.21
